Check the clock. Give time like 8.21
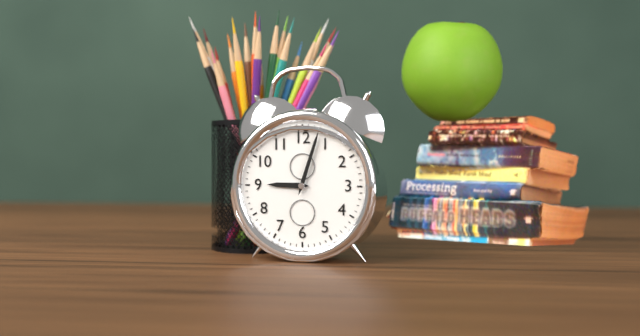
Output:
9.03
